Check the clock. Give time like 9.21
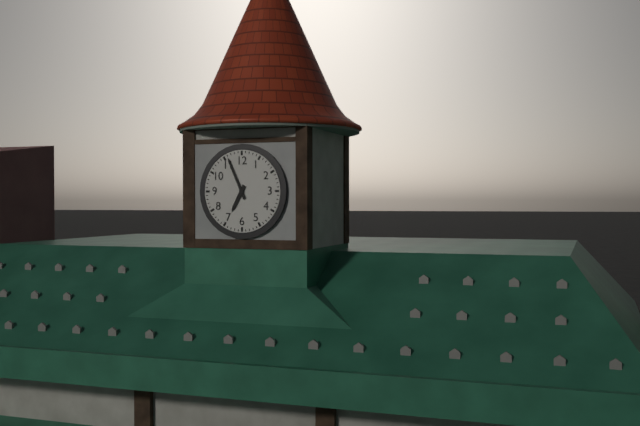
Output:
6.56
